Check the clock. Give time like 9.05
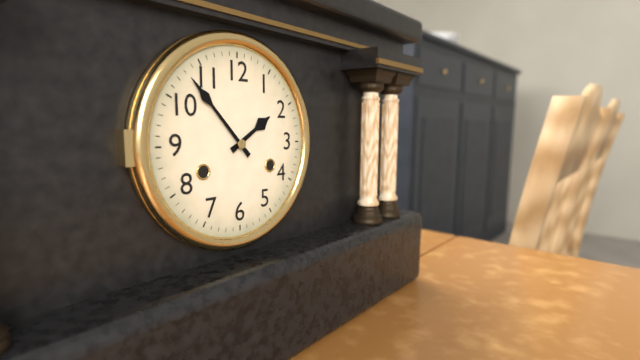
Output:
1.53
